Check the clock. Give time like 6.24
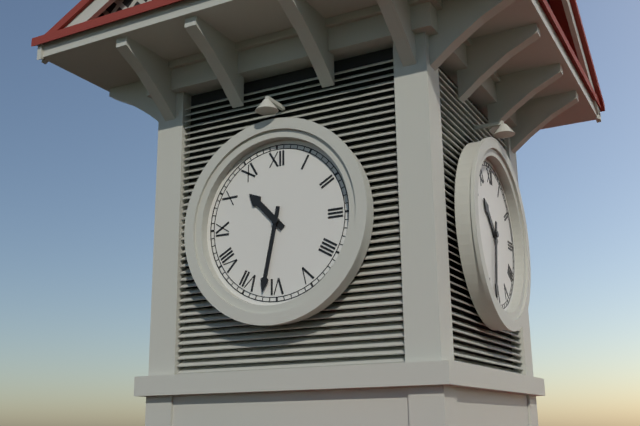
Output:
10.32
